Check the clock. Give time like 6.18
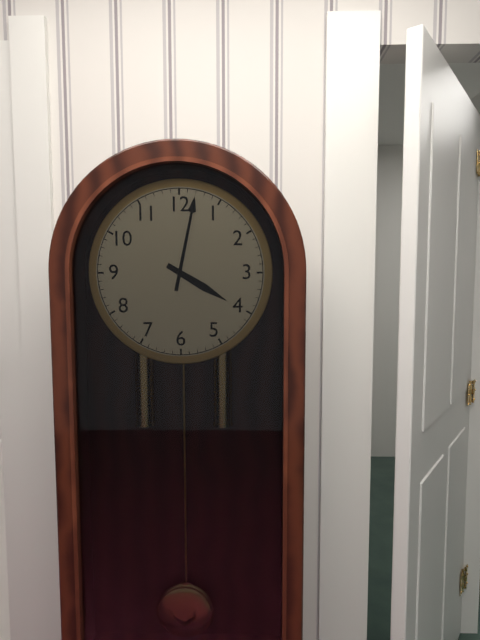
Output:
4.02
